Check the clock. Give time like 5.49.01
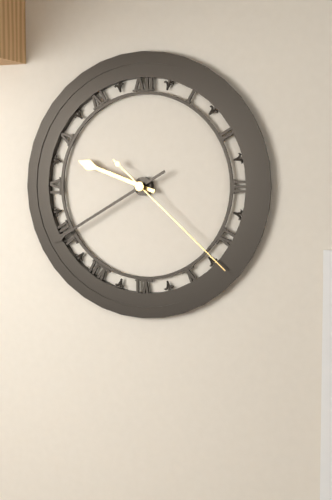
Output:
9.40.22
